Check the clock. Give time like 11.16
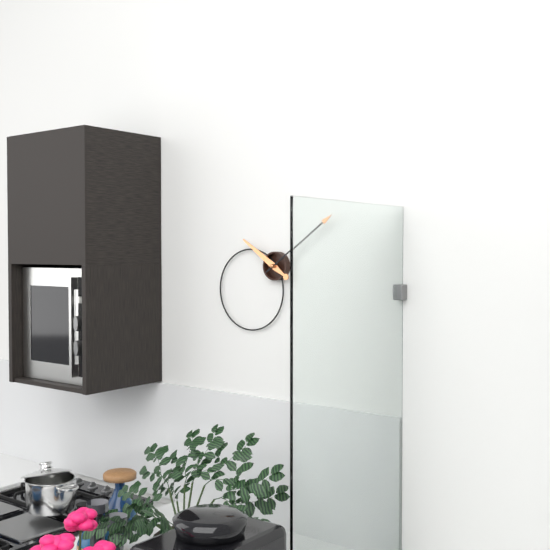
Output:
10.09
